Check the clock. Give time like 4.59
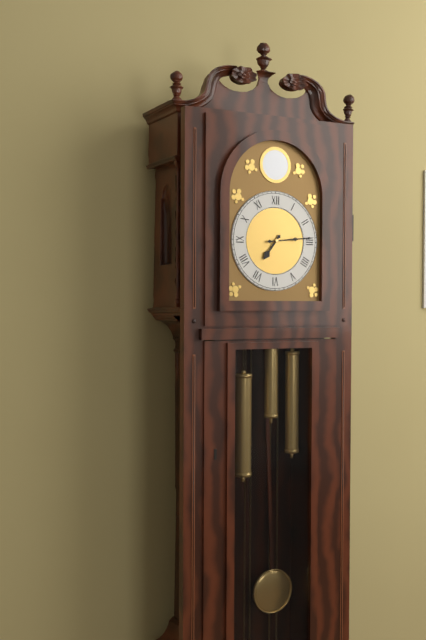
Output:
7.14
